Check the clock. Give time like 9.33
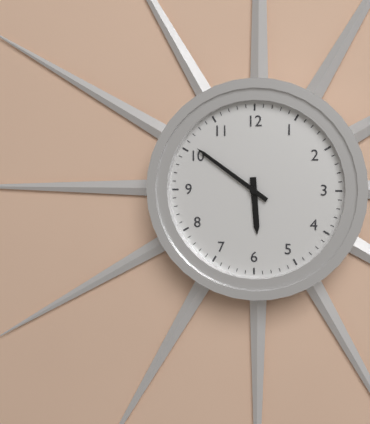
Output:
5.51
